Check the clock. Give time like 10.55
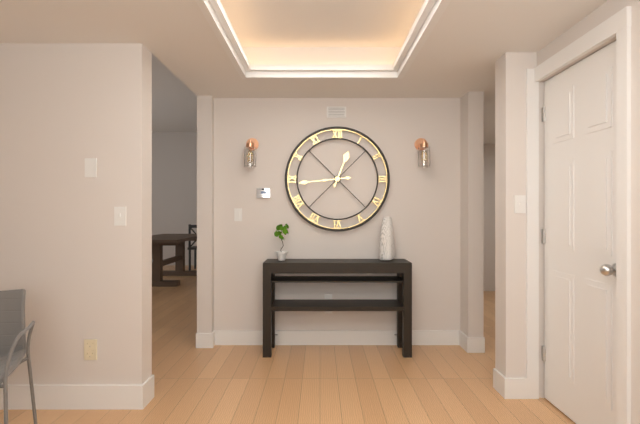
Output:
12.44
